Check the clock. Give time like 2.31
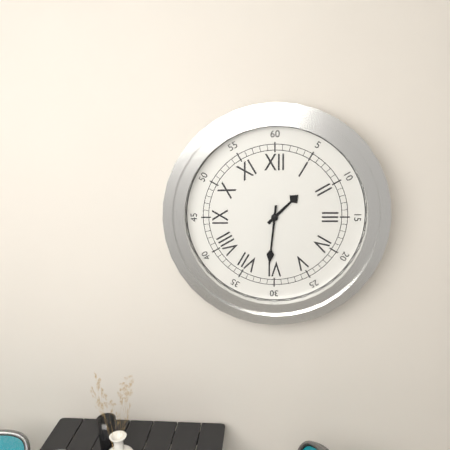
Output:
1.31
